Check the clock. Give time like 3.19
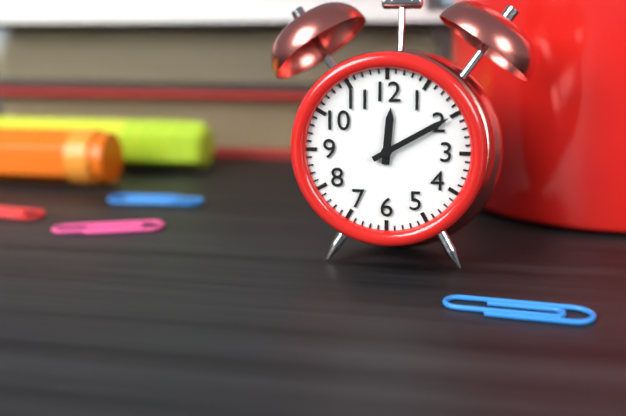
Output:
12.10
